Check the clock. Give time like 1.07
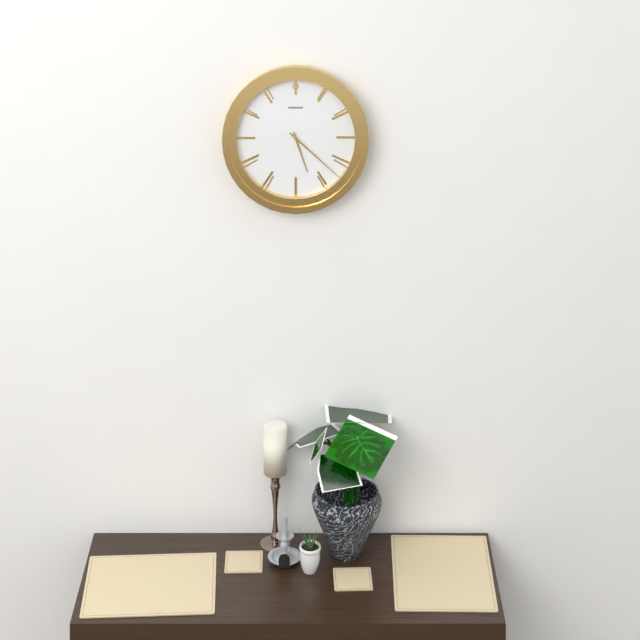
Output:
5.22
